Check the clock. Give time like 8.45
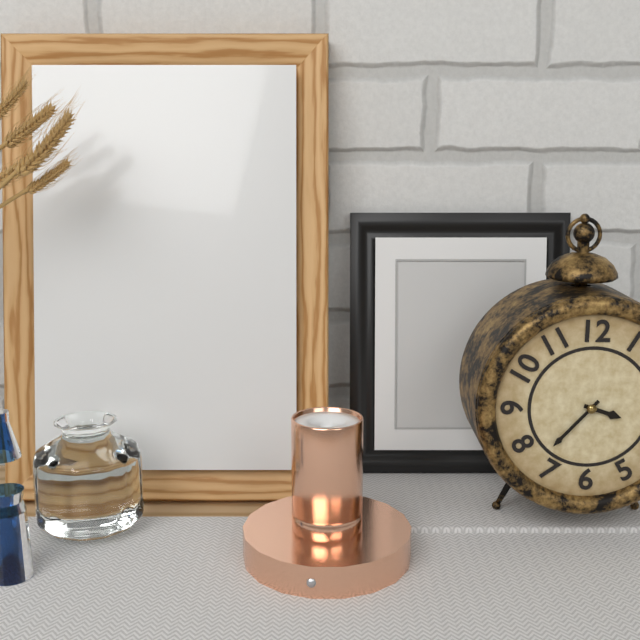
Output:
3.37
